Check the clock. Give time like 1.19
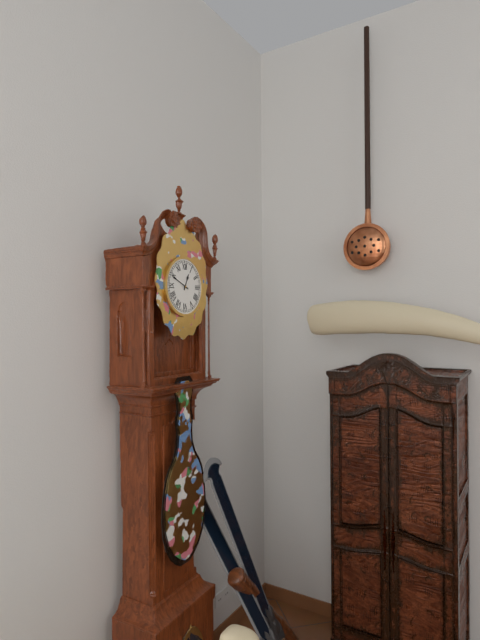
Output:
12.49
